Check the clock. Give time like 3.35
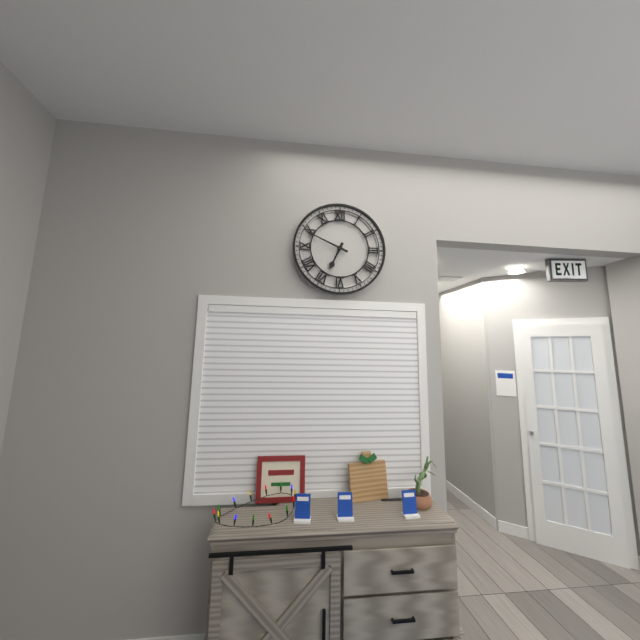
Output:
6.49
